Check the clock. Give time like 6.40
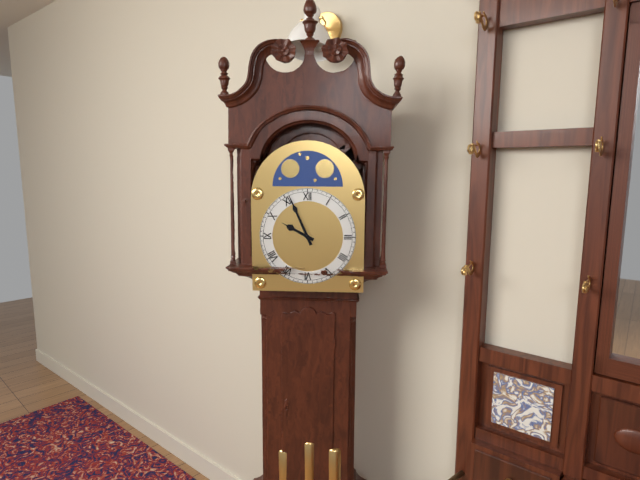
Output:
9.56
